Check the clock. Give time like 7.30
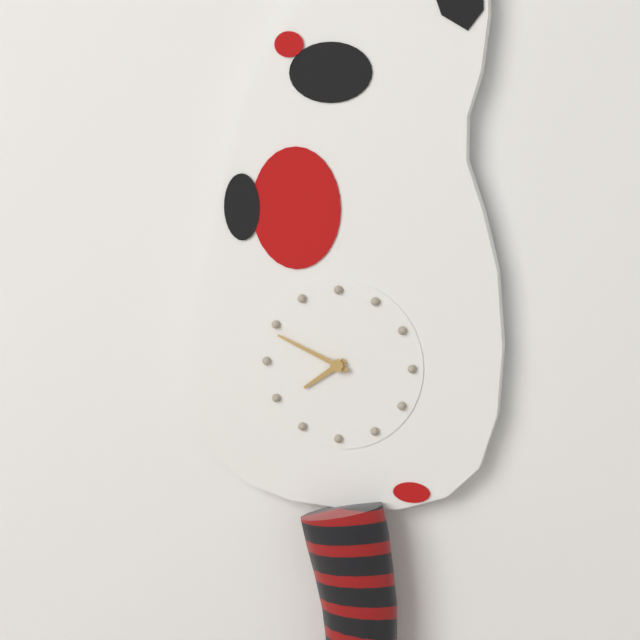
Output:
7.49
